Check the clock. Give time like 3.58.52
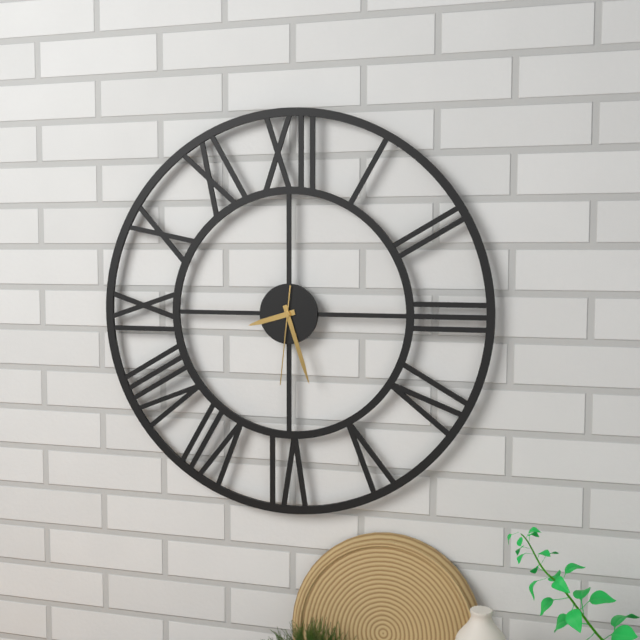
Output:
8.27.31
